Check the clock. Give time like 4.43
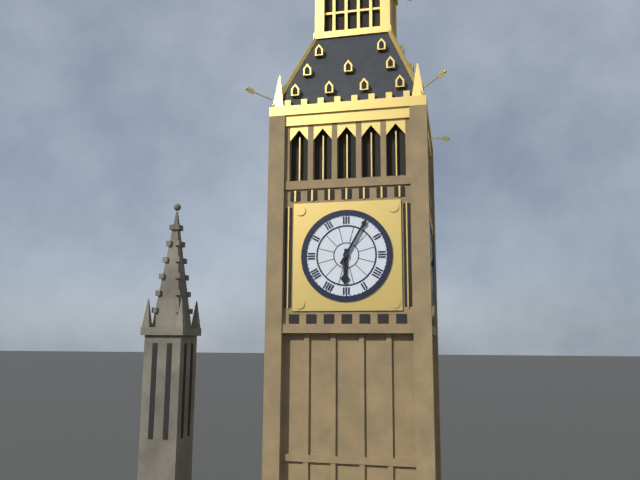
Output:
6.05
